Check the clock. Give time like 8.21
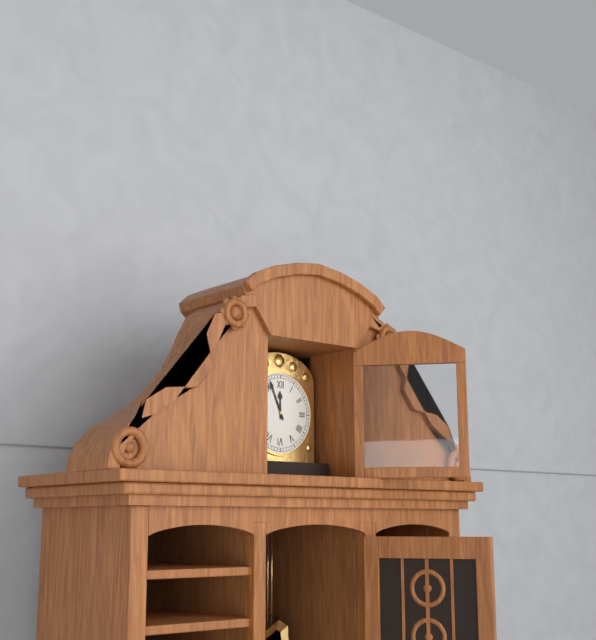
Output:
11.56
